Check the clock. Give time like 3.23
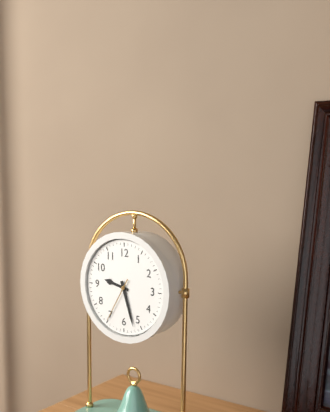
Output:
9.27
